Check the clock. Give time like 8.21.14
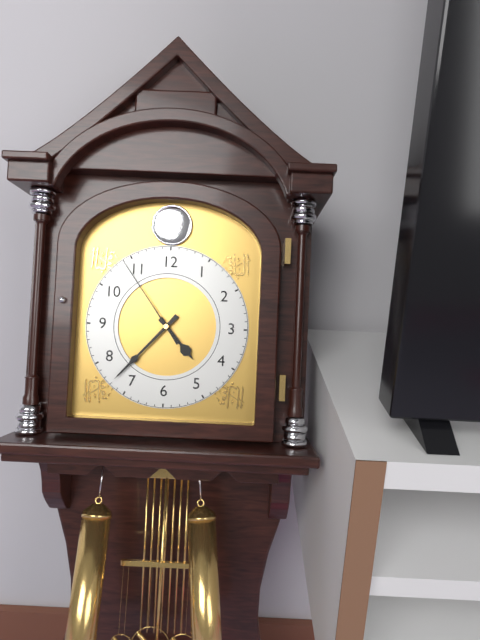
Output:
4.37.54
